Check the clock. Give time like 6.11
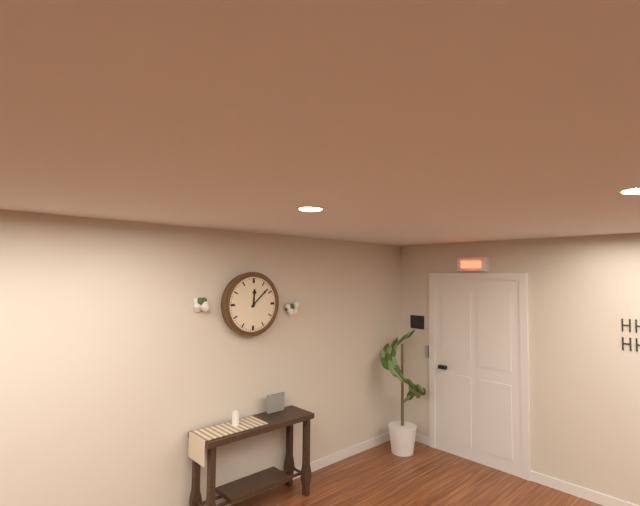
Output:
12.08
